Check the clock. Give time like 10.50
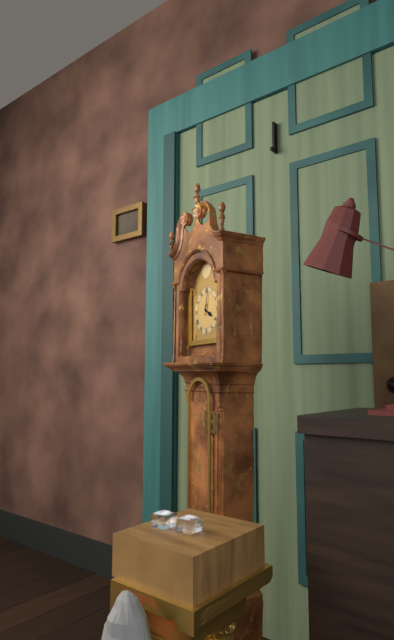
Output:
4.02
